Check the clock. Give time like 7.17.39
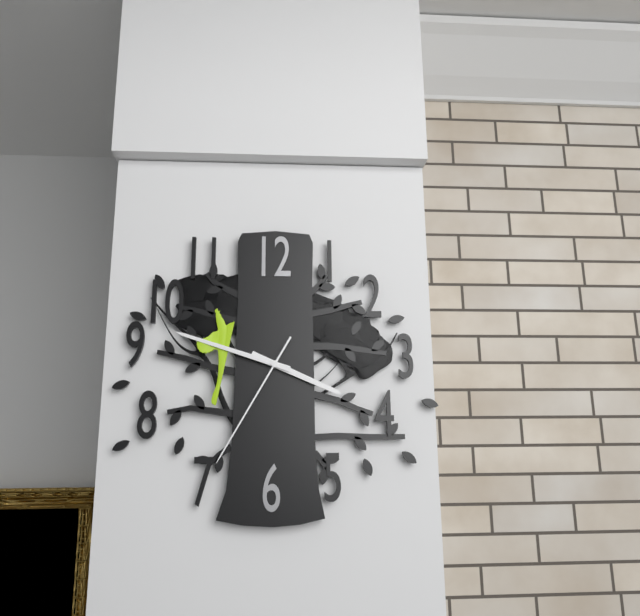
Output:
3.48.35
